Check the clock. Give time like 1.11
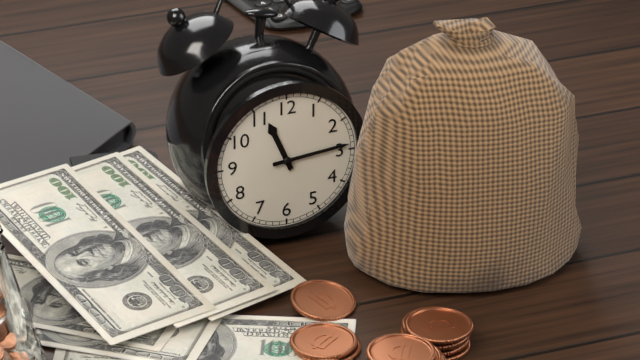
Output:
11.14
